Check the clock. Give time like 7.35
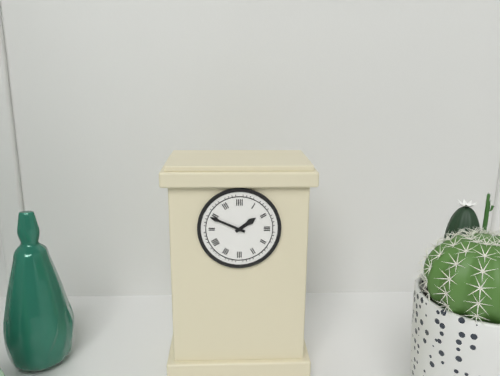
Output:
1.49
